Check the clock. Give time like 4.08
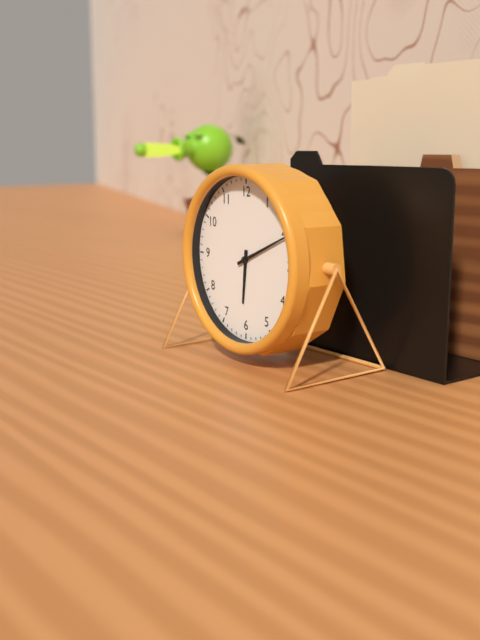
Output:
6.11
